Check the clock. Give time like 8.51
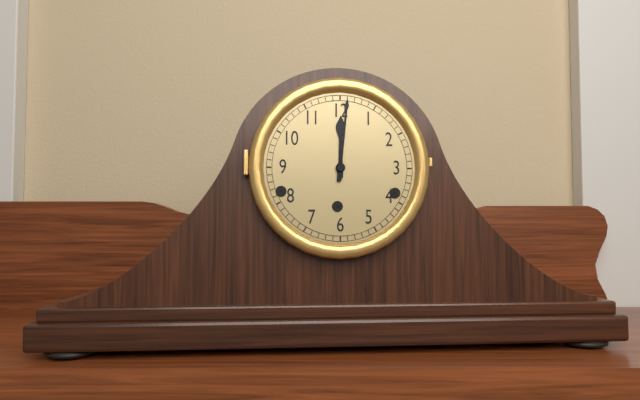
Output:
12.01
